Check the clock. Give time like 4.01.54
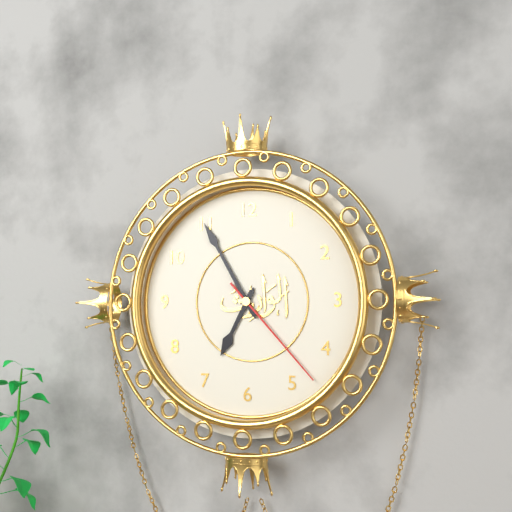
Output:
6.55.23
